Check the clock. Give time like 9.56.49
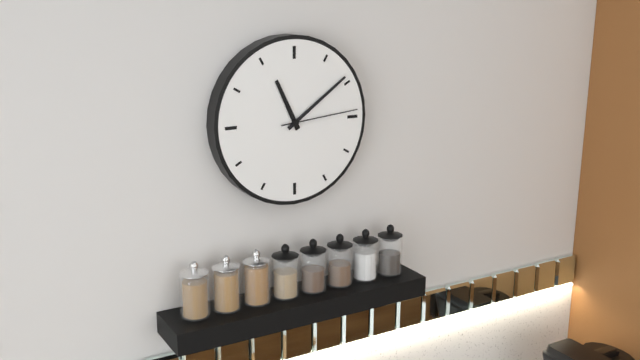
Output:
11.09.14
